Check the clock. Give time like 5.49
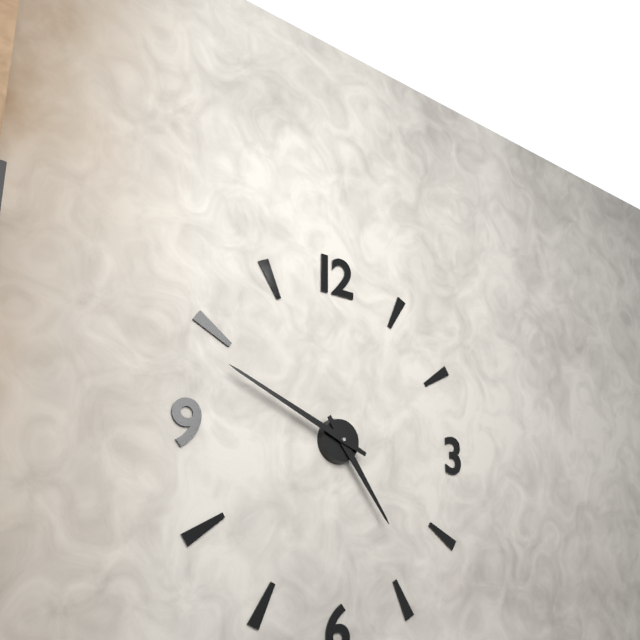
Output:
4.49
